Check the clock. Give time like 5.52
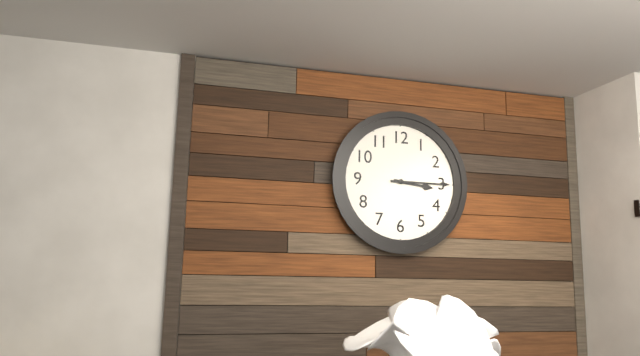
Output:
3.15
